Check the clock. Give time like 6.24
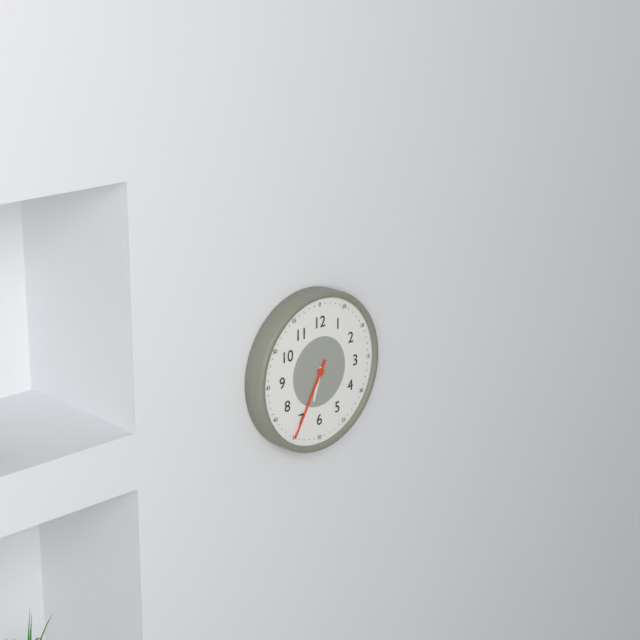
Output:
6.35
